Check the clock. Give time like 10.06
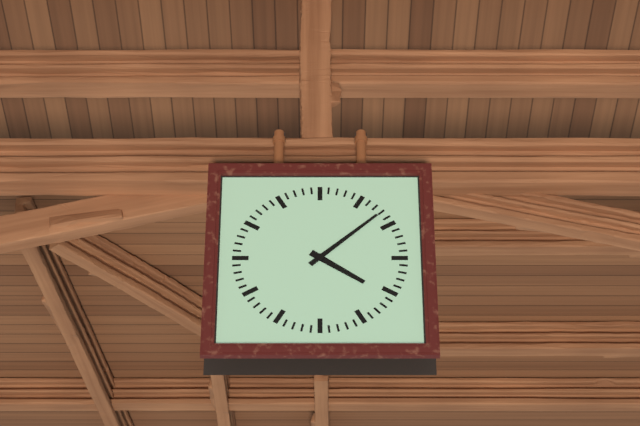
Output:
4.08
